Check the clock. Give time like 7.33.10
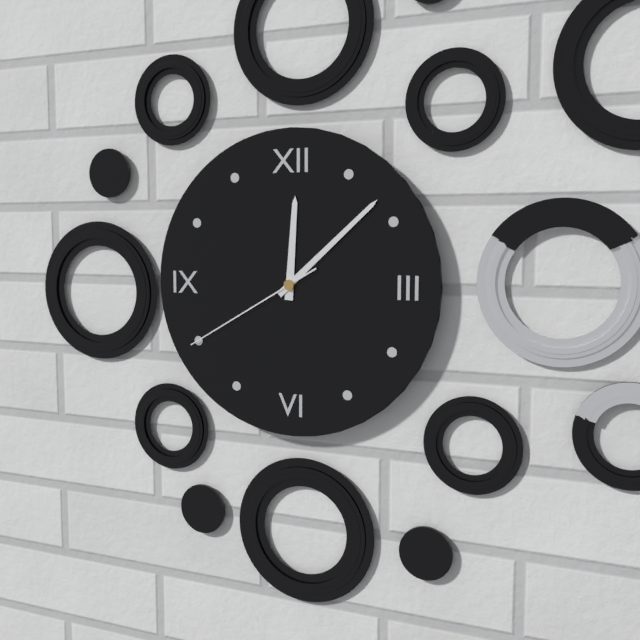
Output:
12.08.40
